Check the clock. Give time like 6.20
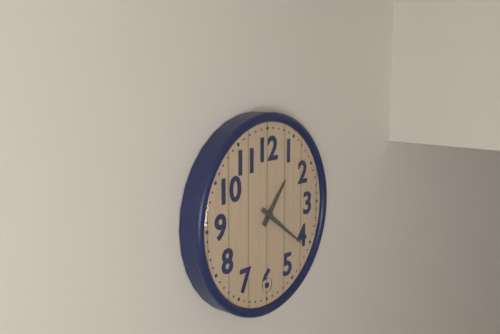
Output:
1.21
